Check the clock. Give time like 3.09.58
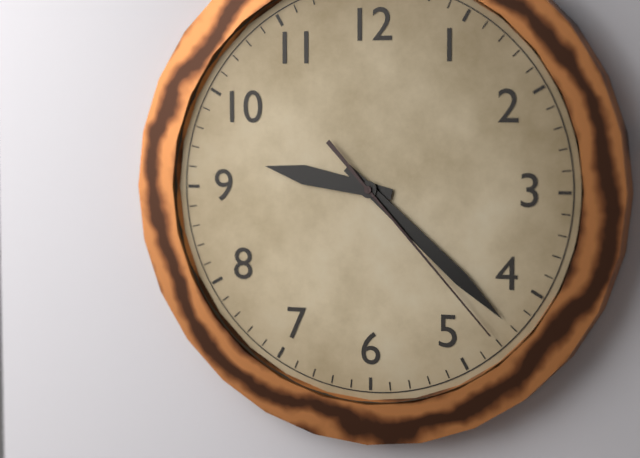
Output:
9.22.23
